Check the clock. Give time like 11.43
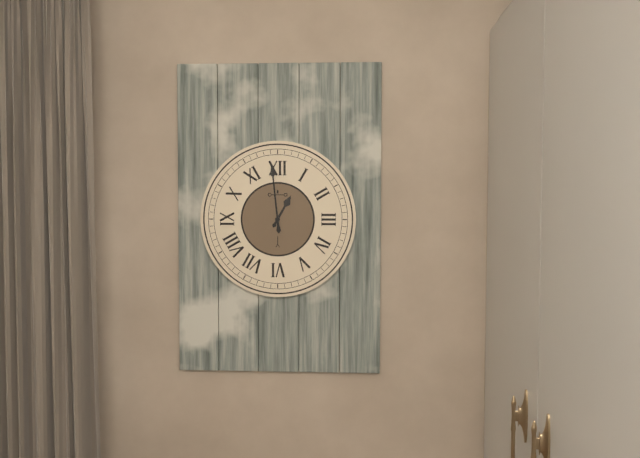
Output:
12.59
